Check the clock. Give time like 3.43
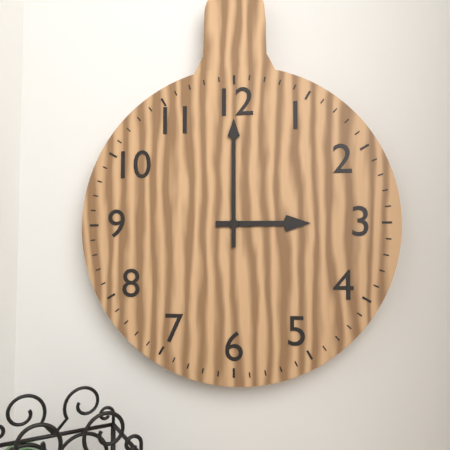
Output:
3.00
